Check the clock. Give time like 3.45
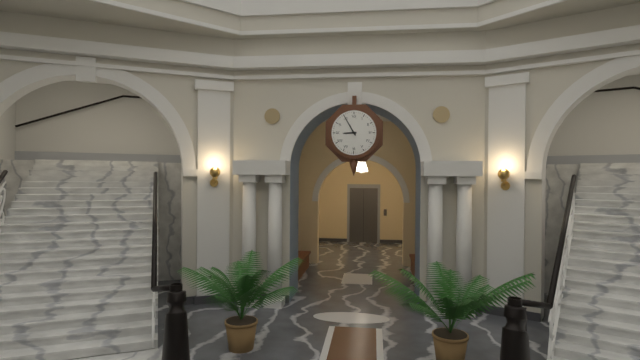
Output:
8.55
